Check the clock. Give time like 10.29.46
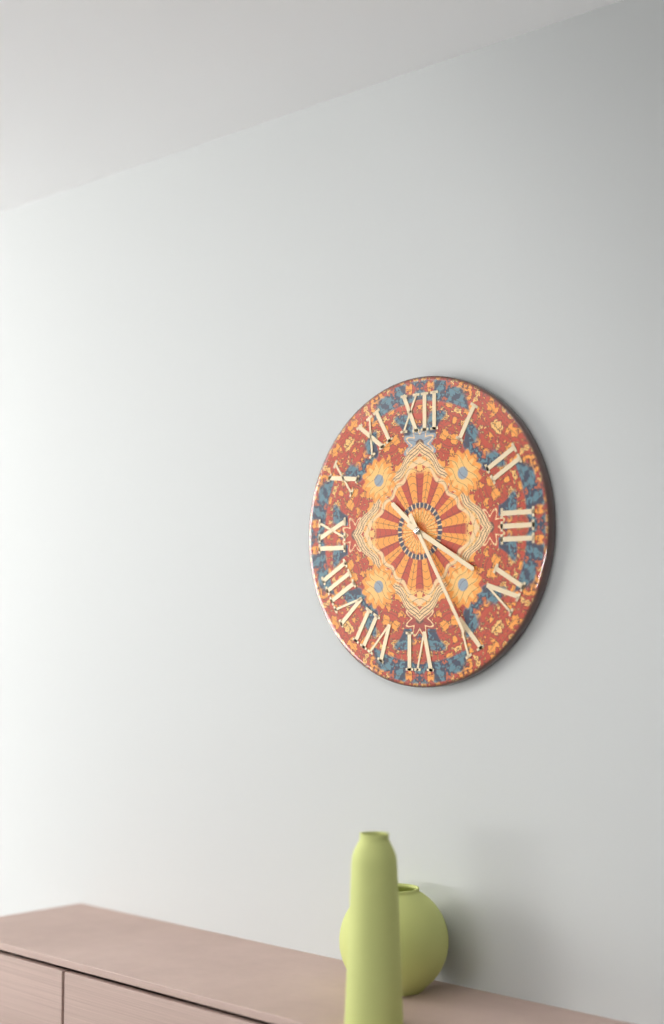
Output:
10.20.25
